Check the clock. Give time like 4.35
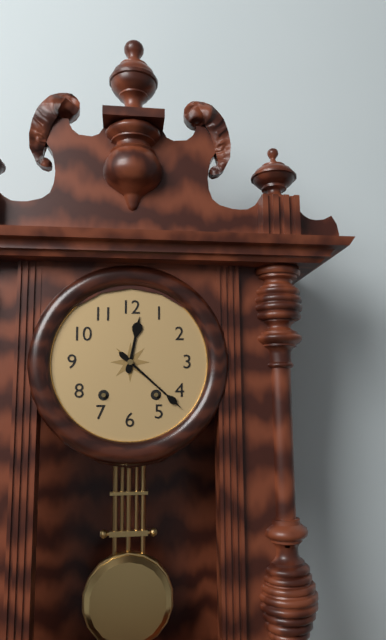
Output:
12.22
